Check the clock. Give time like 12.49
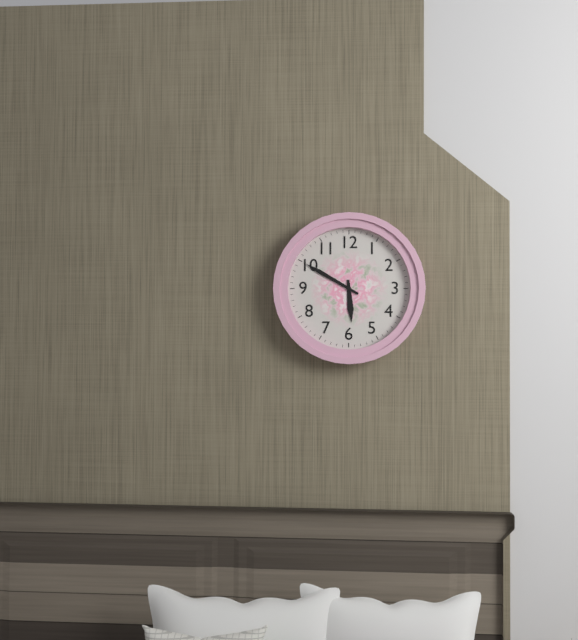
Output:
5.50
